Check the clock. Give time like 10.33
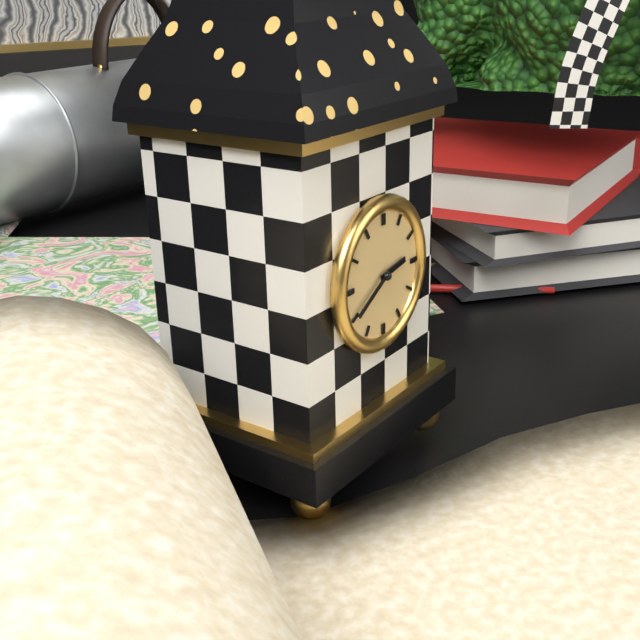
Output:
2.40
